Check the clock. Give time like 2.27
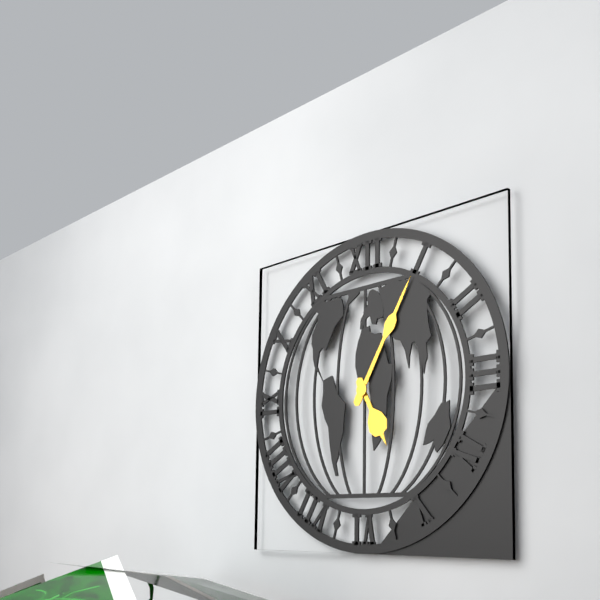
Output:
5.05
